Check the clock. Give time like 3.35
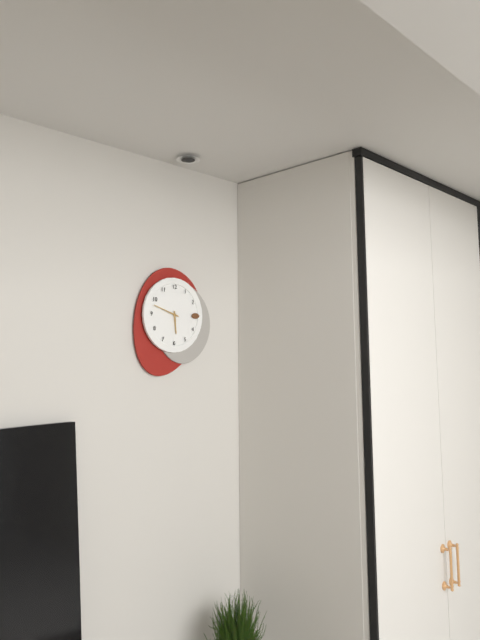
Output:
5.48
